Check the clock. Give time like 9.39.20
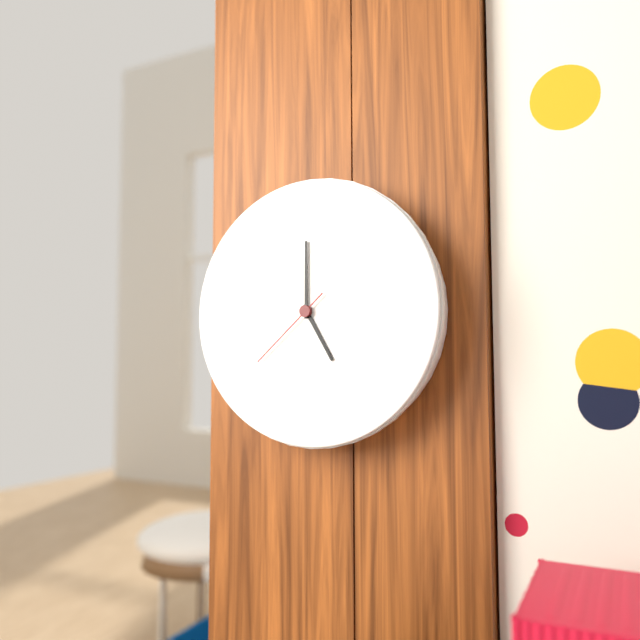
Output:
5.00.38
